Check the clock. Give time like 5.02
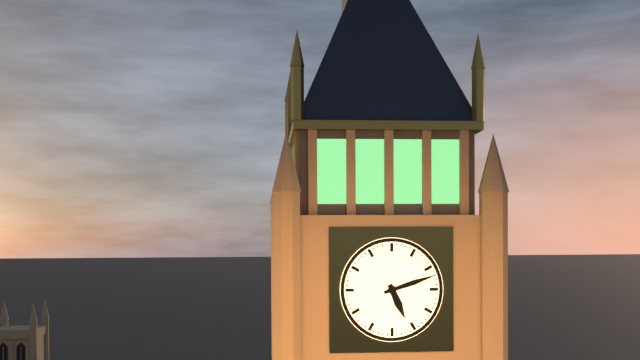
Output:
5.12
